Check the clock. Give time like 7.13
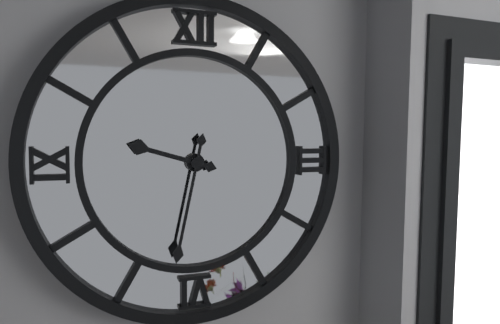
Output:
9.32
